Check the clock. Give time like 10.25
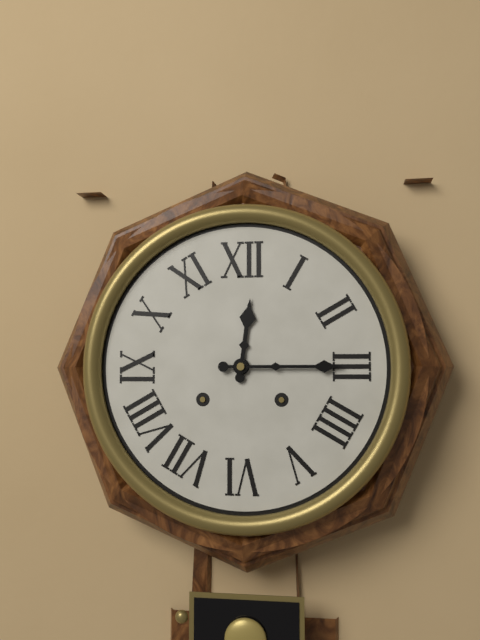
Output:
12.15
